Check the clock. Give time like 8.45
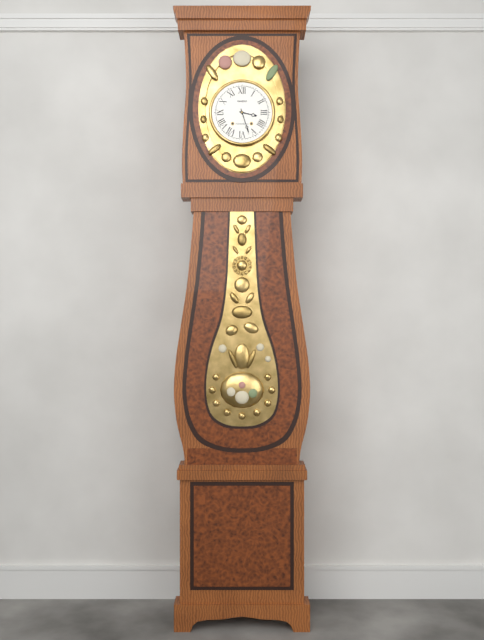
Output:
3.27
